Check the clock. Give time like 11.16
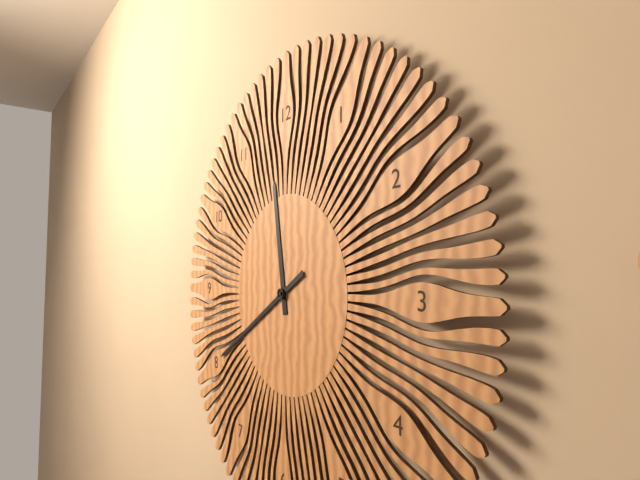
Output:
11.40
